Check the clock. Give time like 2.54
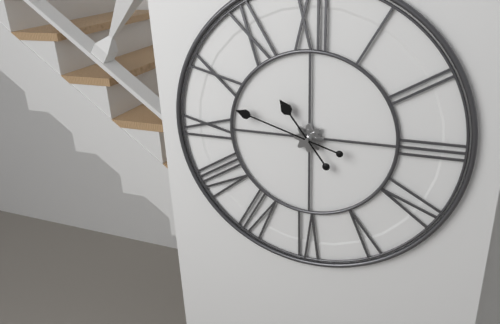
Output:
10.48
